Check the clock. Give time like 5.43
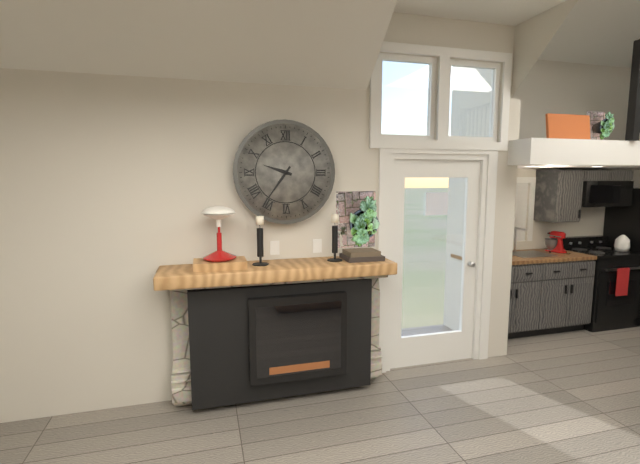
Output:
9.36
